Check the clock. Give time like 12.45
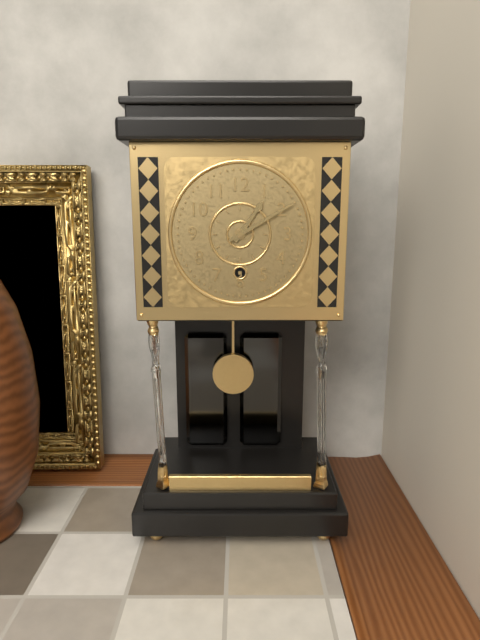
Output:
1.10
